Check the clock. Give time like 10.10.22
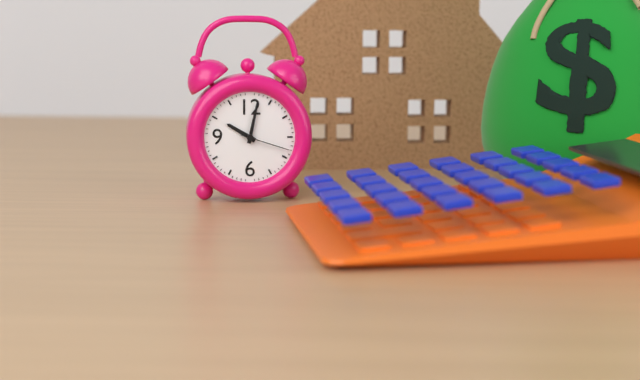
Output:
10.02.18
